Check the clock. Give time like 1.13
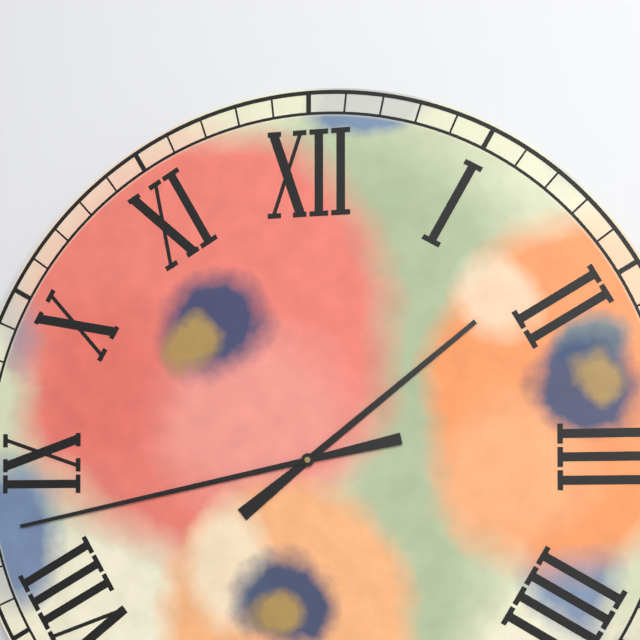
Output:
1.43
